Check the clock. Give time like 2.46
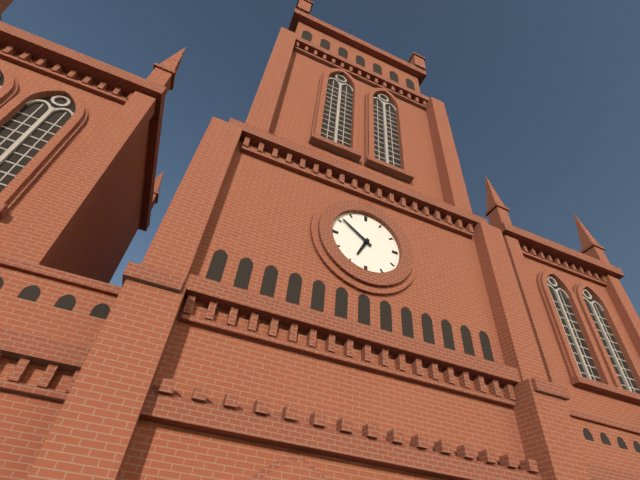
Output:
6.51
